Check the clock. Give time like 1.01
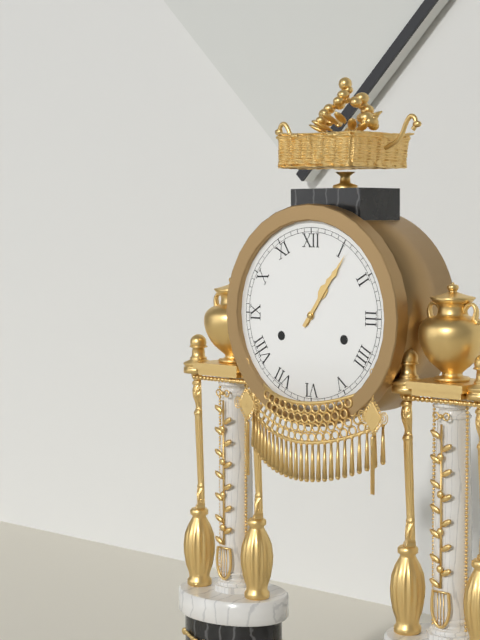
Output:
1.06
